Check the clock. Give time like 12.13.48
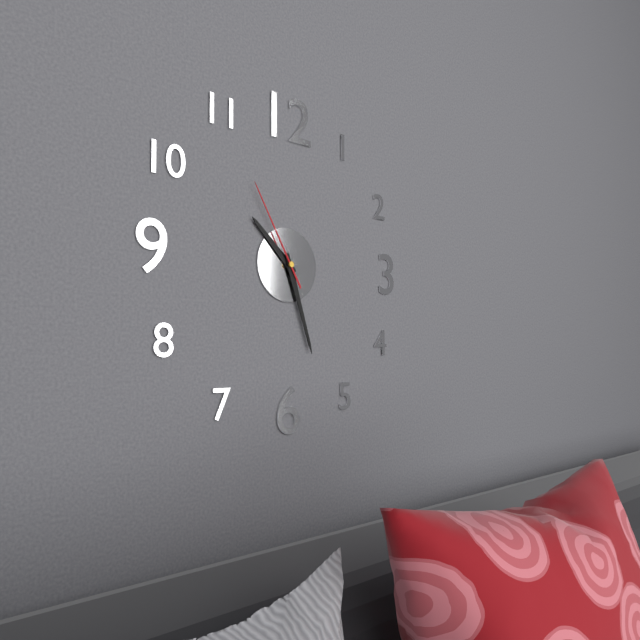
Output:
10.27.55
